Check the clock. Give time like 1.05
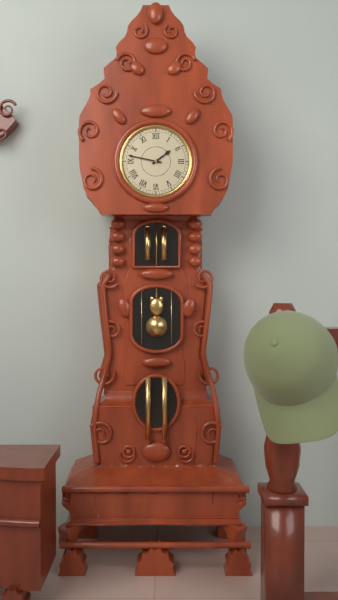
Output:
1.47
